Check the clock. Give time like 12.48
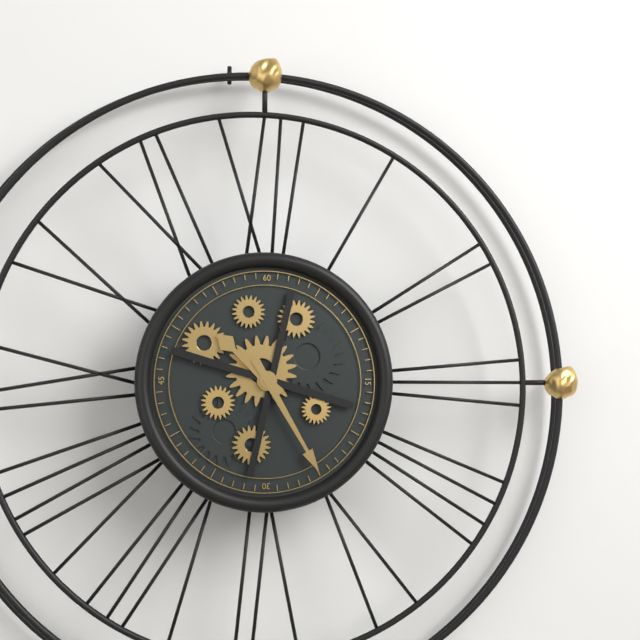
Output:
10.25
